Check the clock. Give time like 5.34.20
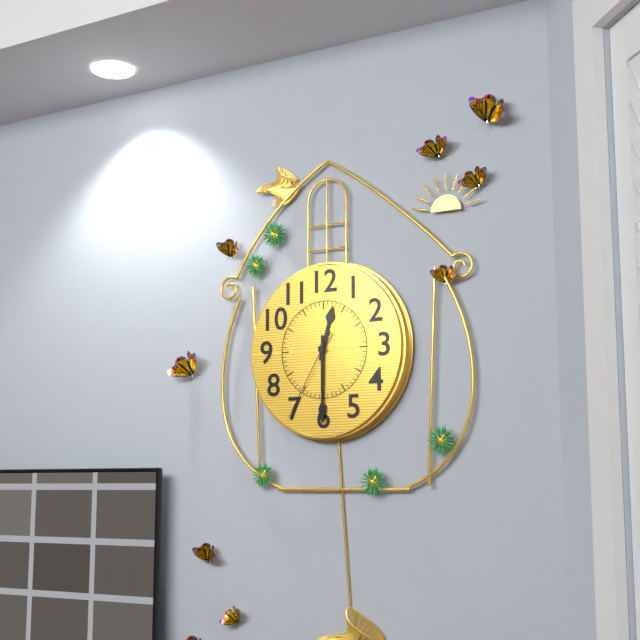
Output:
12.30.35
